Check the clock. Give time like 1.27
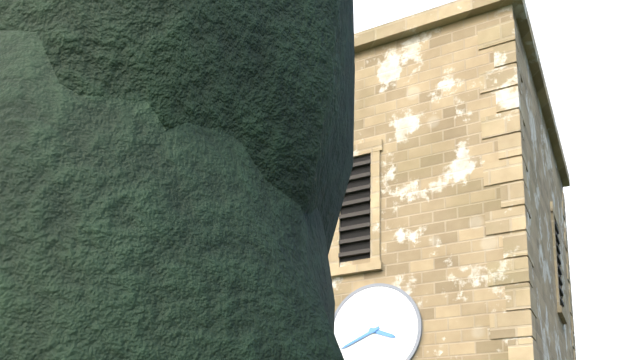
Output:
3.41
